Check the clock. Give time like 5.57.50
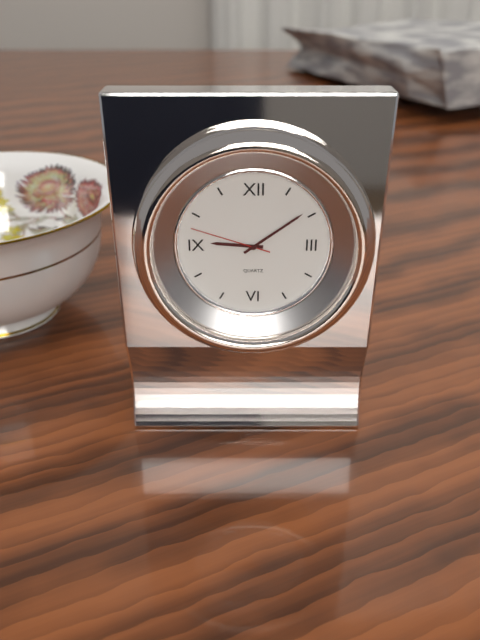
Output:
9.09.48
